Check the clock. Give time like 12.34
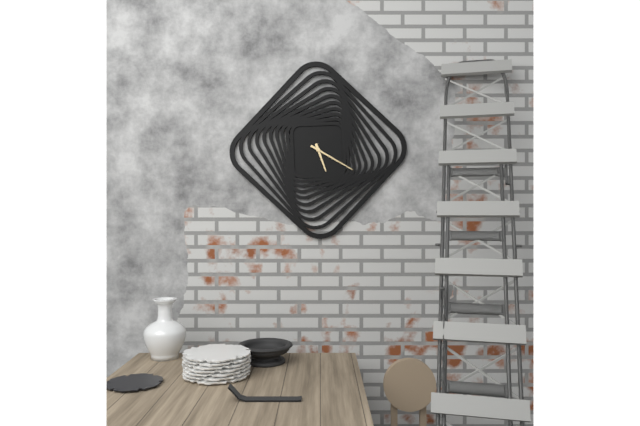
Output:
5.20
